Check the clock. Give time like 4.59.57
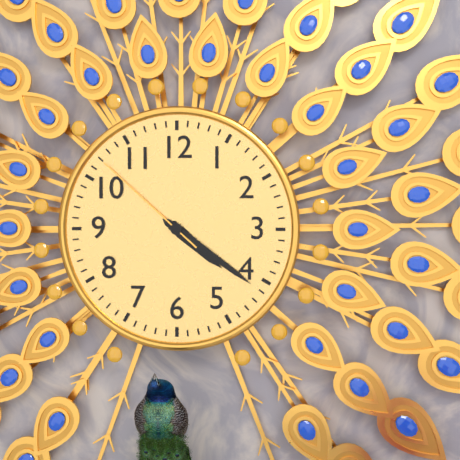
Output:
4.21.52
